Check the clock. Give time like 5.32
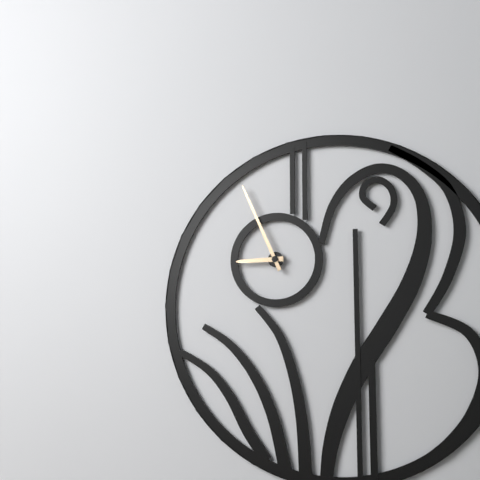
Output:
8.56
